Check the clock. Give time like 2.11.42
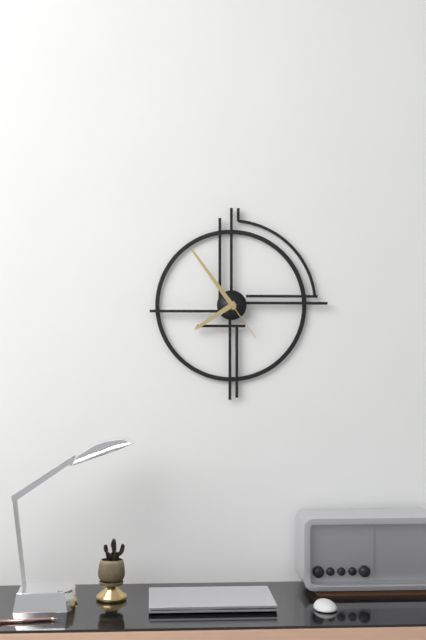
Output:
7.54.24
